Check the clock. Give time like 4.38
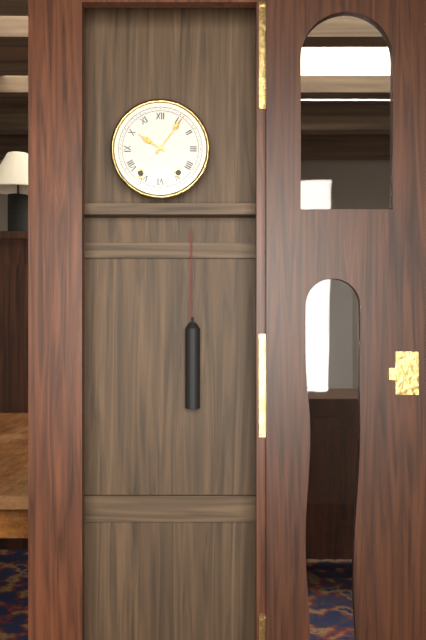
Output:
10.06
